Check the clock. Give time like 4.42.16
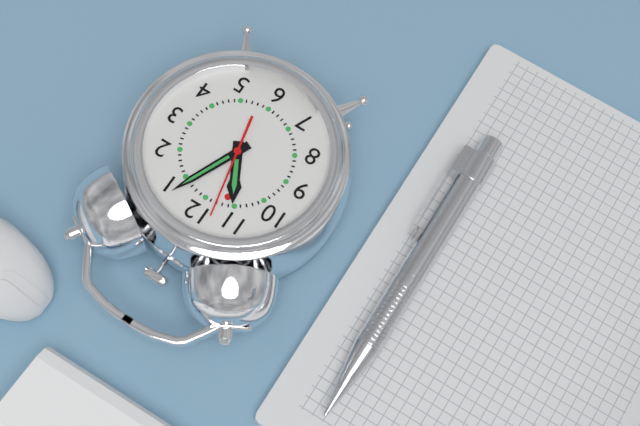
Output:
11.04.58
